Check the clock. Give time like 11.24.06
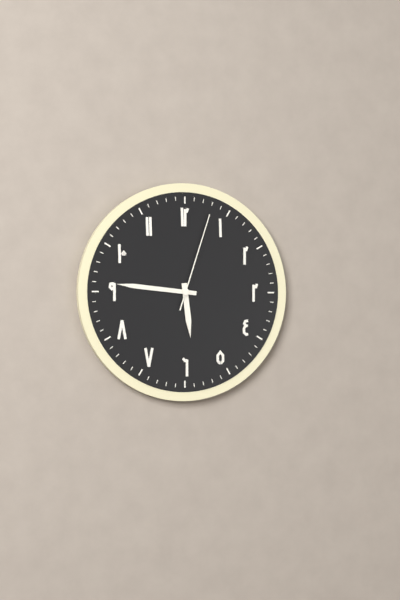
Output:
5.46.03
